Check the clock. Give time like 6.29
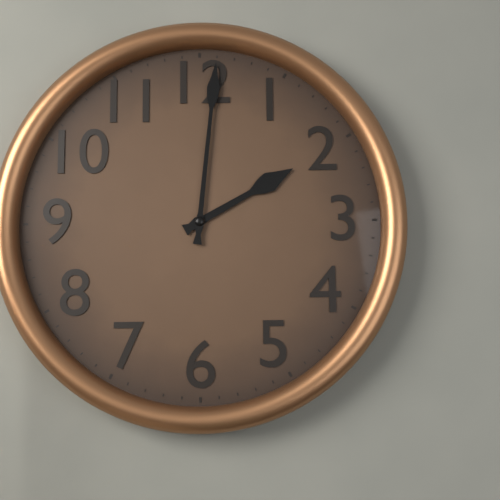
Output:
2.01
